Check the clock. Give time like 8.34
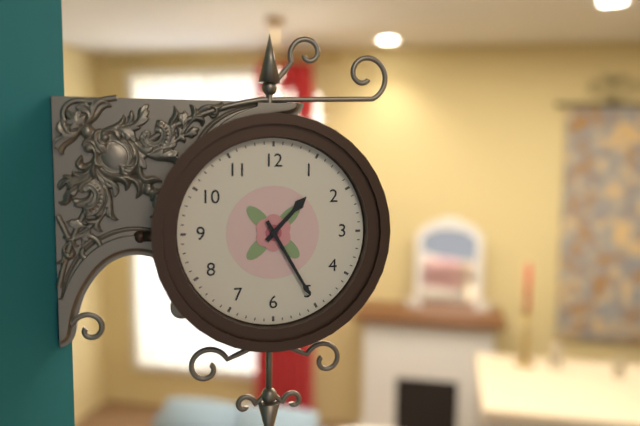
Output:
1.25
